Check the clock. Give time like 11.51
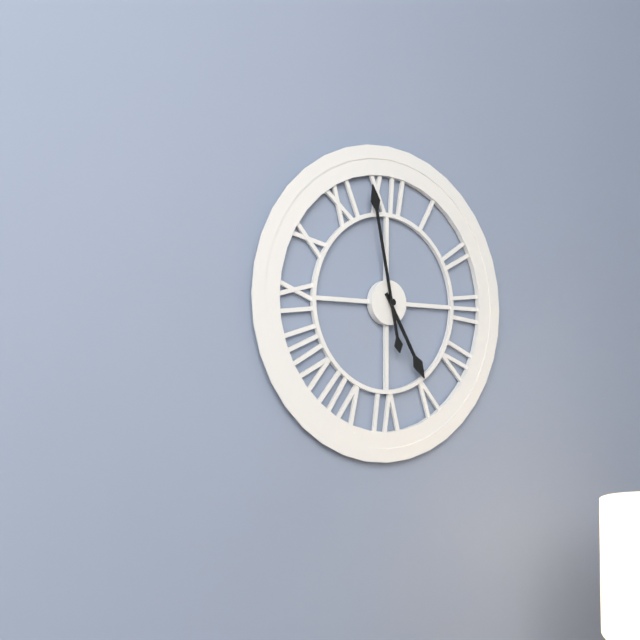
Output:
4.58
